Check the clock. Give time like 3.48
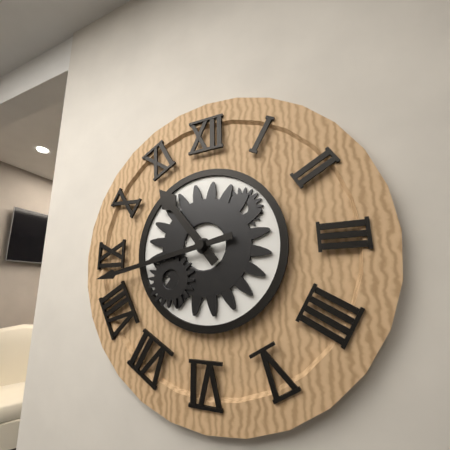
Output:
10.43
